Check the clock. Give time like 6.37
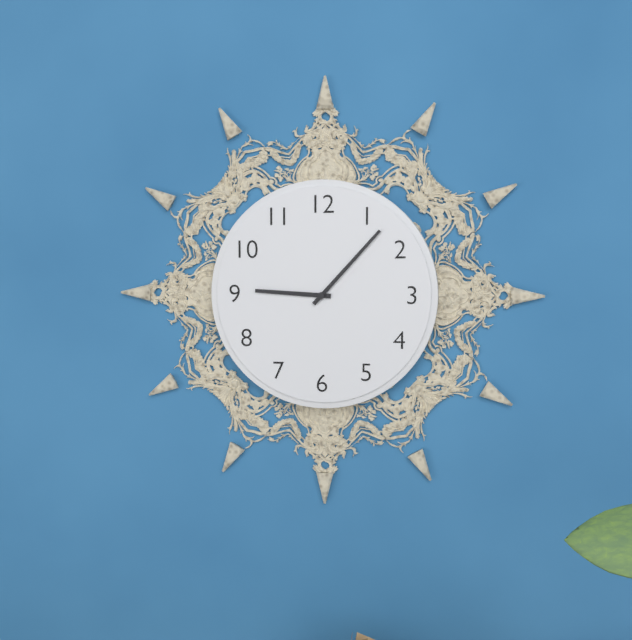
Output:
9.07
